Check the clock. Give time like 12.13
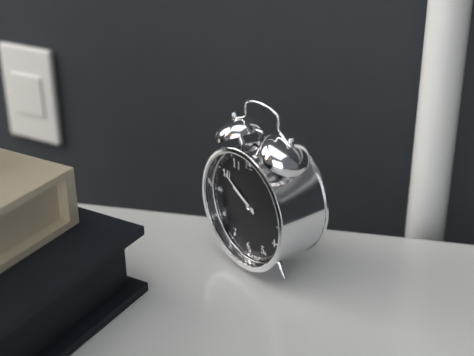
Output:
9.50
